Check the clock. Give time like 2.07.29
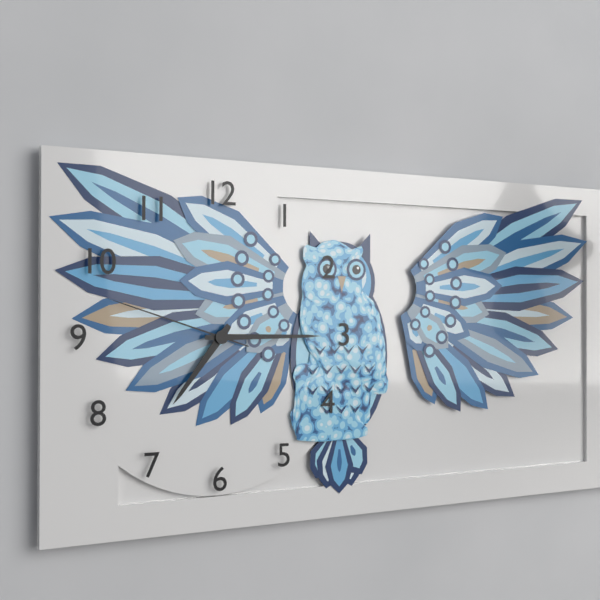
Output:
7.15.48
